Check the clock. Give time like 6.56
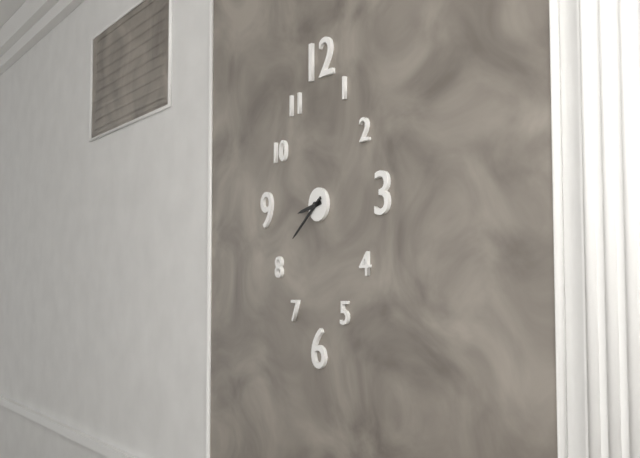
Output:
8.39
